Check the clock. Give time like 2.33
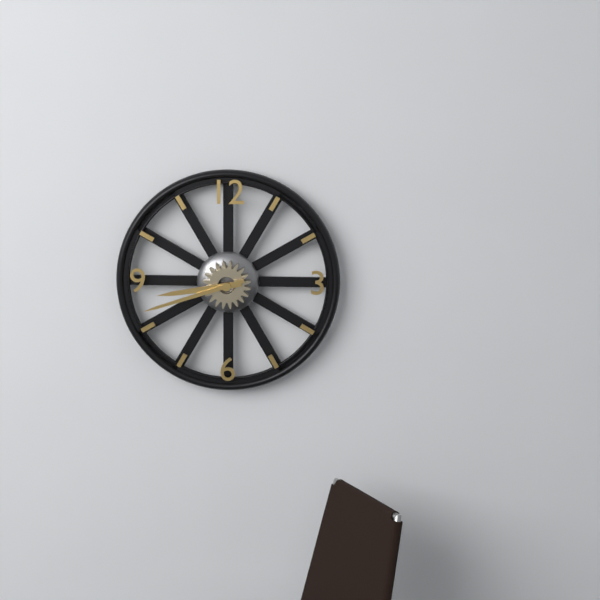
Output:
8.42
